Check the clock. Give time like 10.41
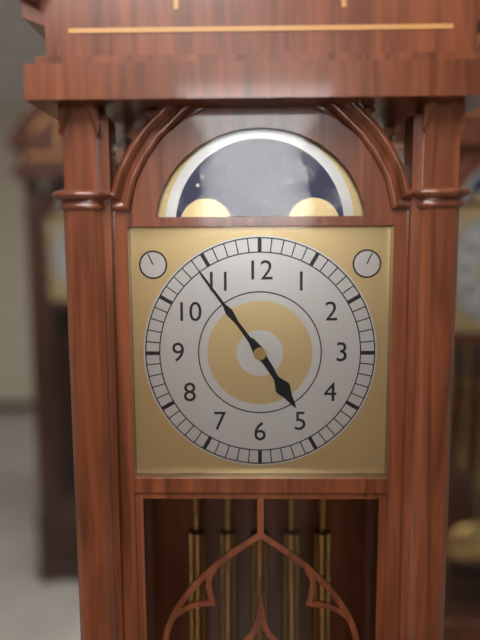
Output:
4.54
